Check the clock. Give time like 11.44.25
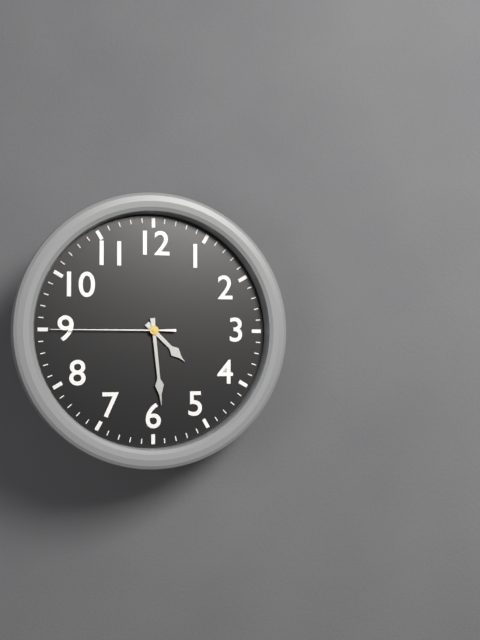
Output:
4.29.45
